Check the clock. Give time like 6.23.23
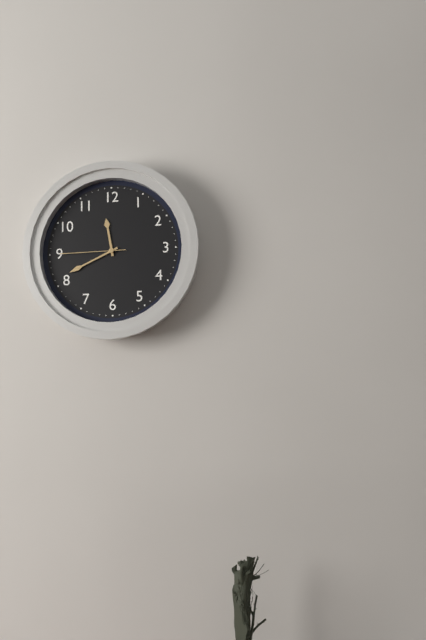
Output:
11.41.45
